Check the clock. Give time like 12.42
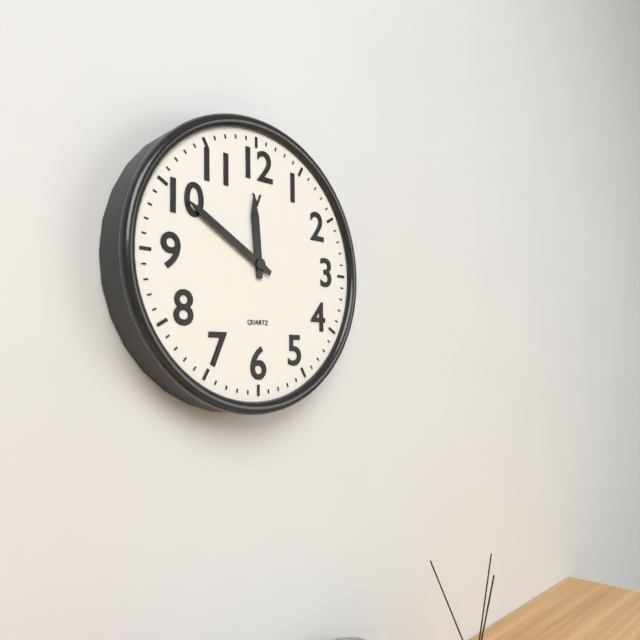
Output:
11.50
